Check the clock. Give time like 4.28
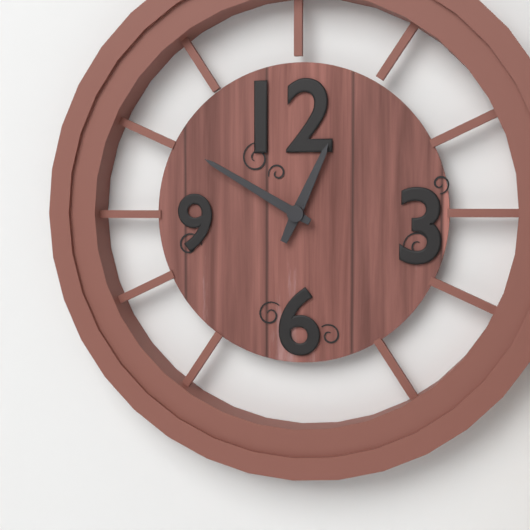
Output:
12.50
